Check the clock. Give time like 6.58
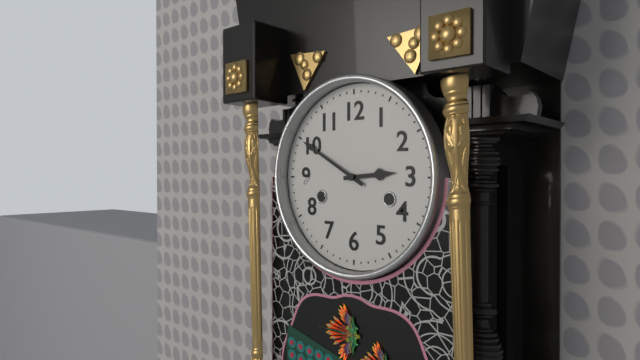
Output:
2.50
